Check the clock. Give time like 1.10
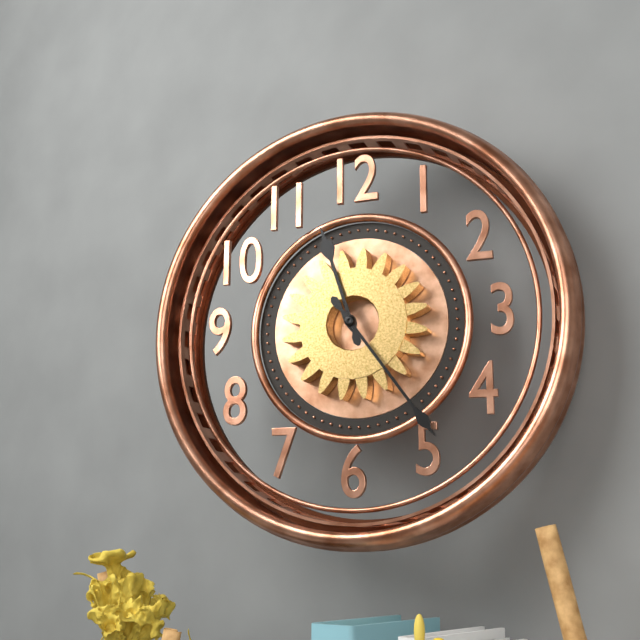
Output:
11.24
